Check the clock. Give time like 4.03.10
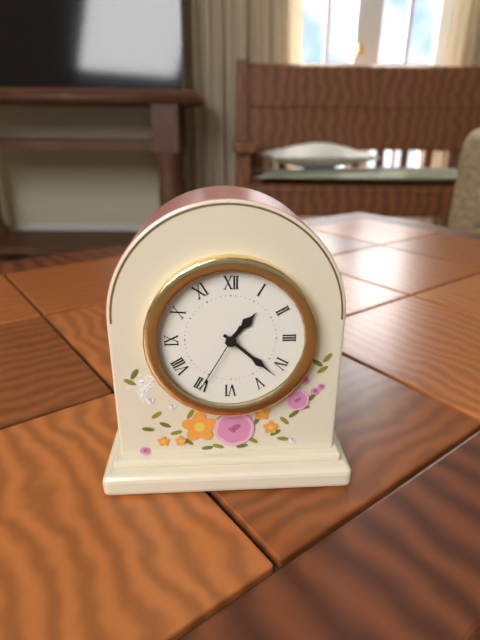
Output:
1.22.35
